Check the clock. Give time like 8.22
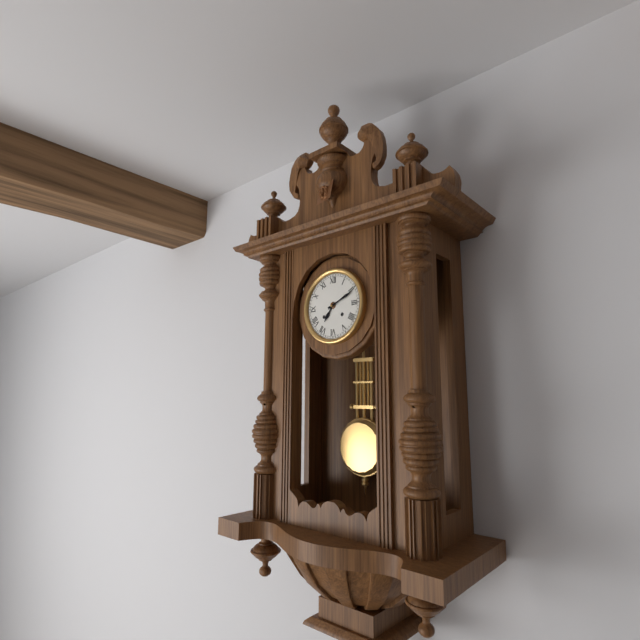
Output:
7.11
